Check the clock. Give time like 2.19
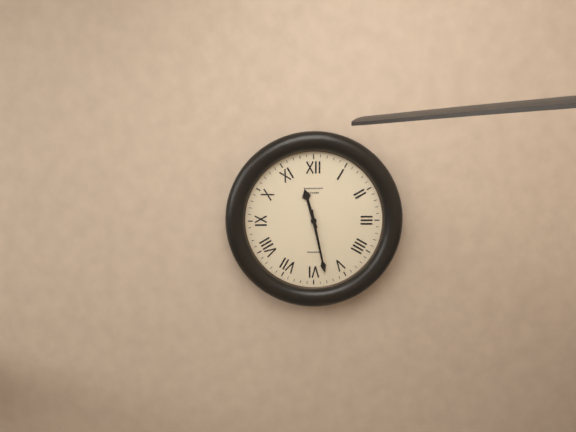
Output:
11.28
